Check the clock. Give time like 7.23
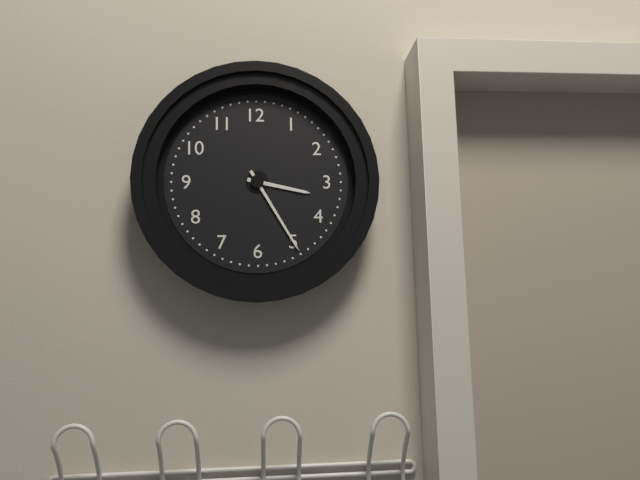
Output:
3.25
